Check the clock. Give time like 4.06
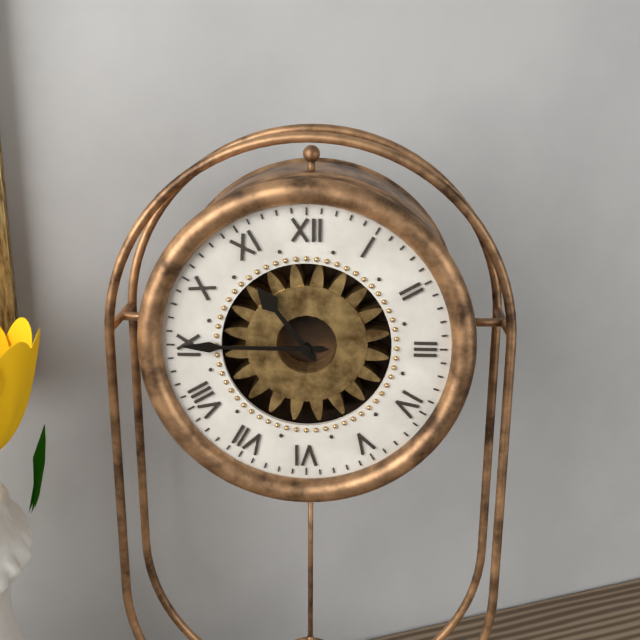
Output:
10.45
